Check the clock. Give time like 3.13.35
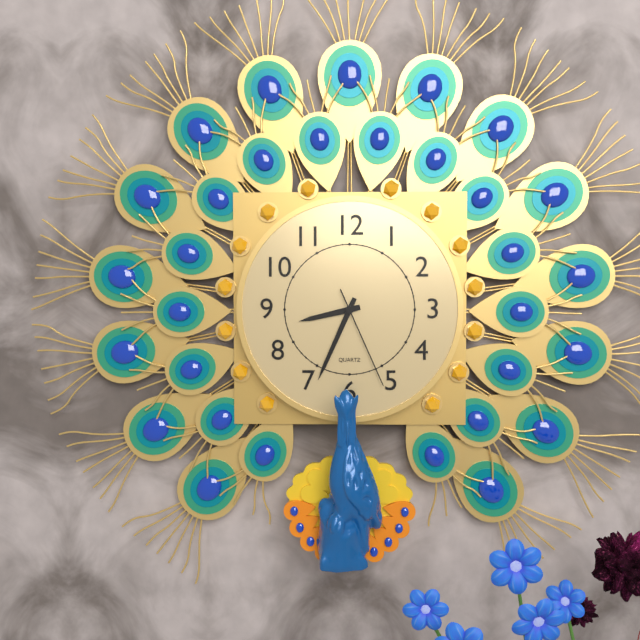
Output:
8.34.26
